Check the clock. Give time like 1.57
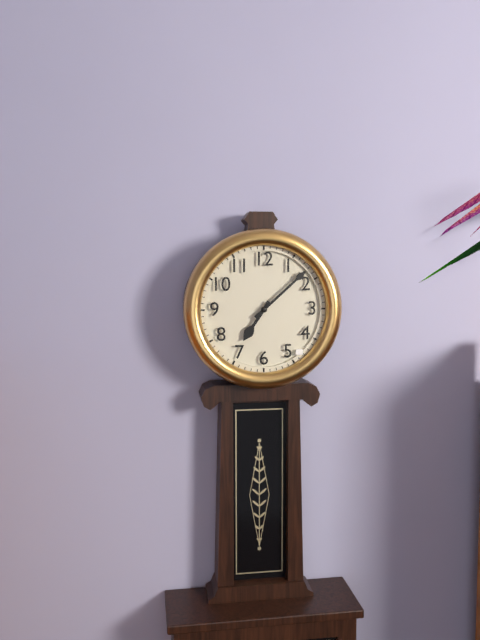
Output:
7.08
